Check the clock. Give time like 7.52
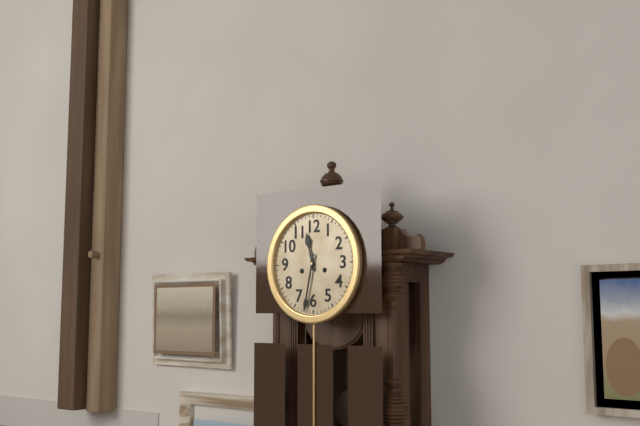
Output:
11.32
